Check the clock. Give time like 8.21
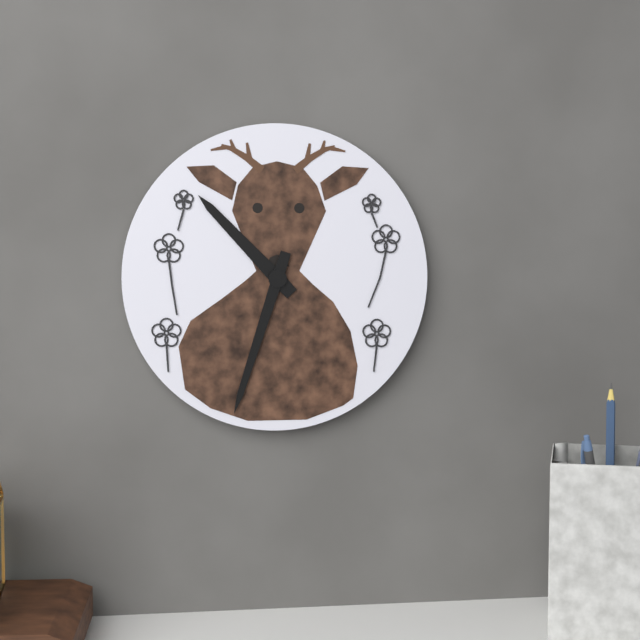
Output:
10.33
